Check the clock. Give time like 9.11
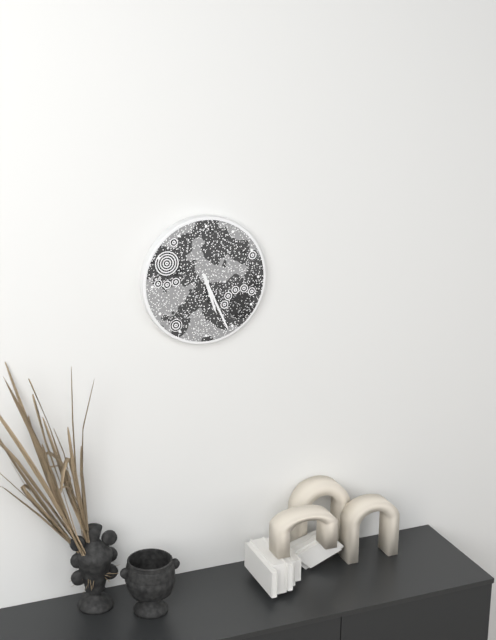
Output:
5.26
